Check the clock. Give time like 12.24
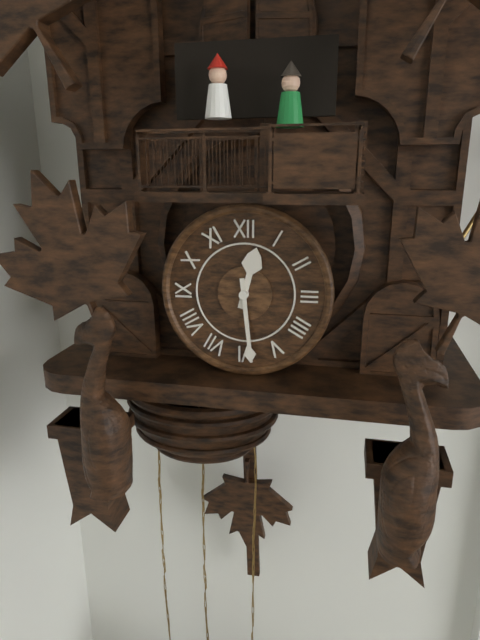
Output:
12.29
